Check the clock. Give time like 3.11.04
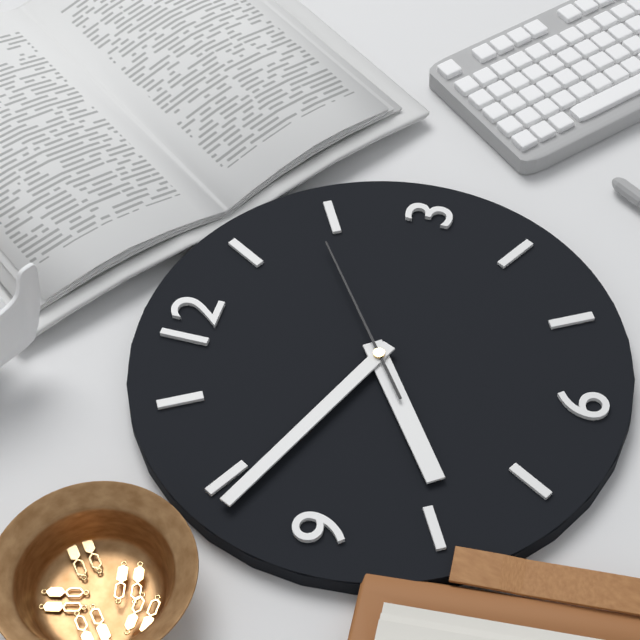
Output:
7.49.09
